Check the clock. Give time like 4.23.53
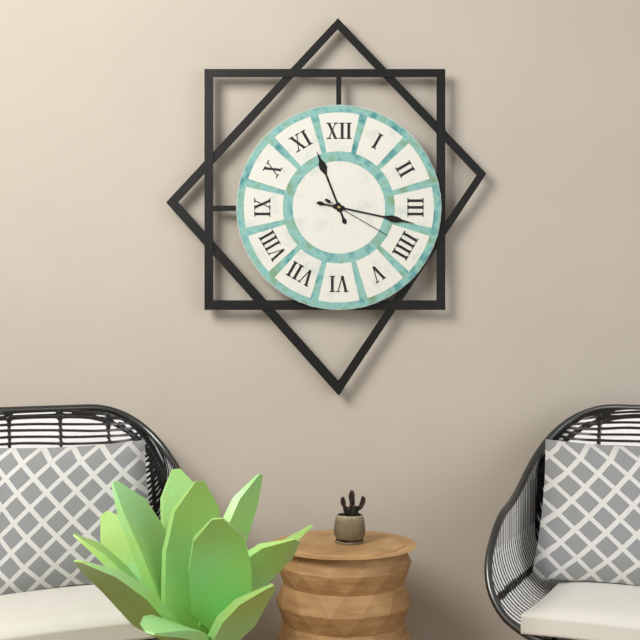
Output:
11.17.20
